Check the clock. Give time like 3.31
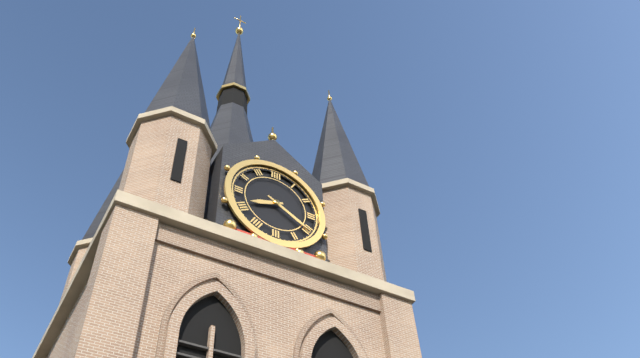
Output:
8.20
